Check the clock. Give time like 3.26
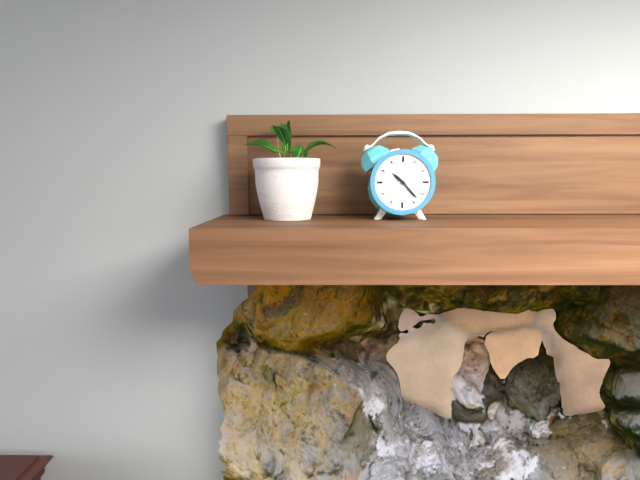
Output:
10.23
